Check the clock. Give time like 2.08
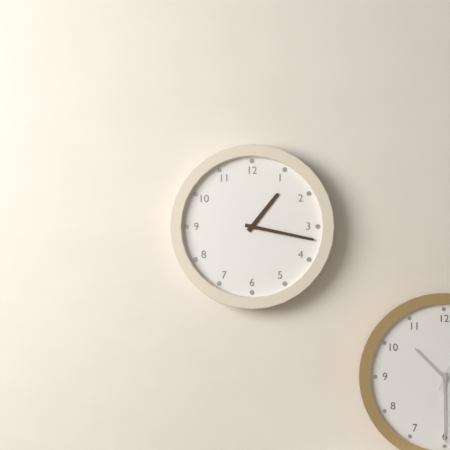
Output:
1.17
